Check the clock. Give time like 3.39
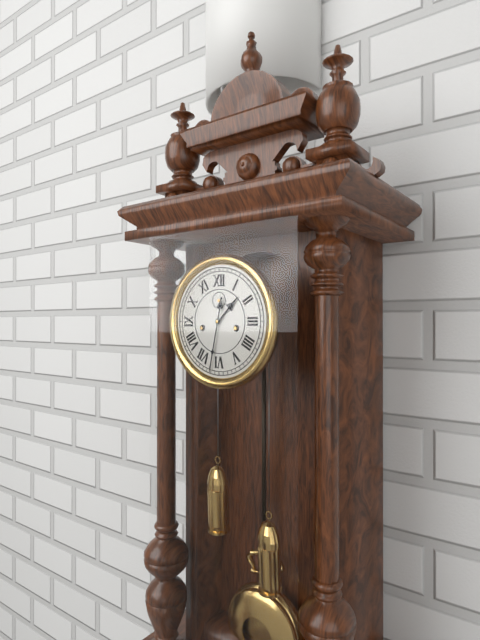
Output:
1.32
